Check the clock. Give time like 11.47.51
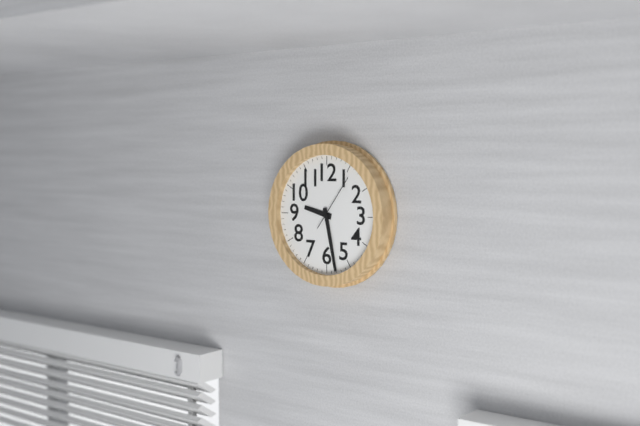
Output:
9.28.06
